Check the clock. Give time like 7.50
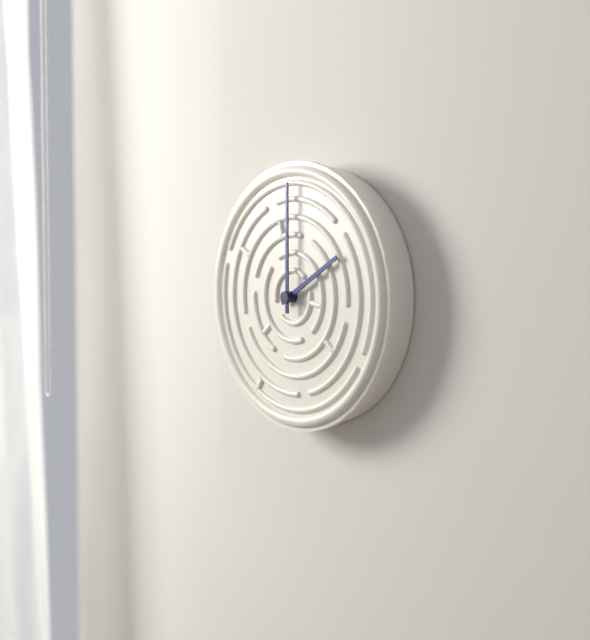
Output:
2.00
